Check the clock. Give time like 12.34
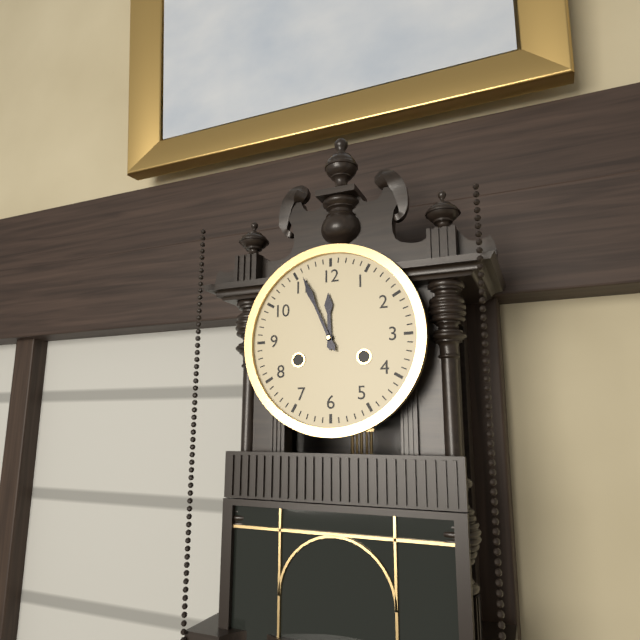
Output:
11.56
